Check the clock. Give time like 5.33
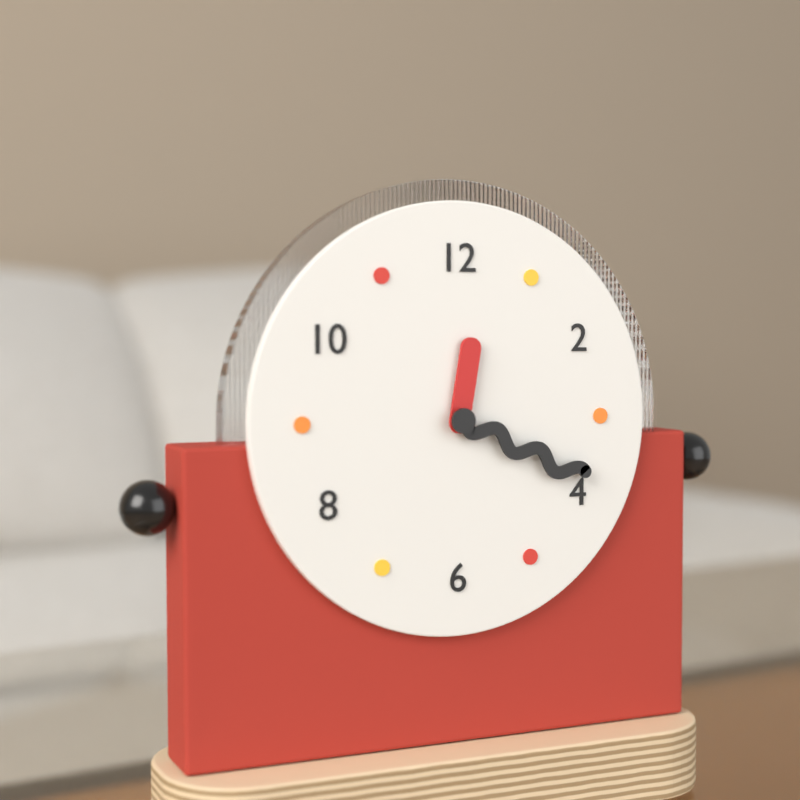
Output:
12.19
